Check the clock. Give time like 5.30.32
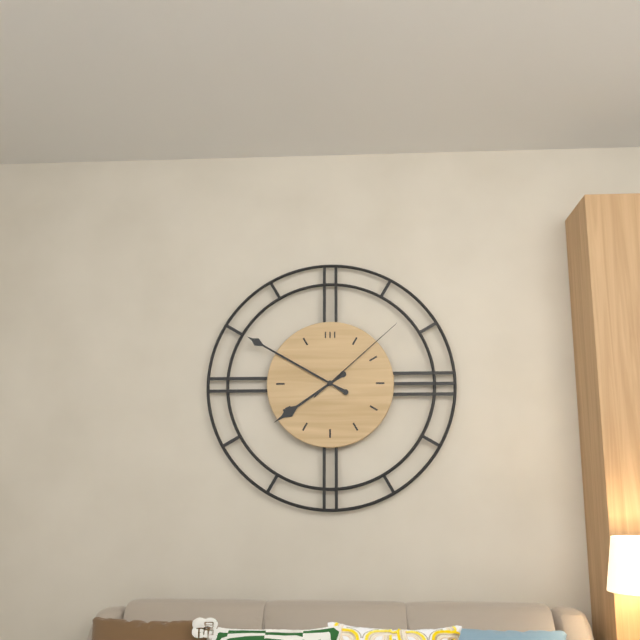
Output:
7.50.08
